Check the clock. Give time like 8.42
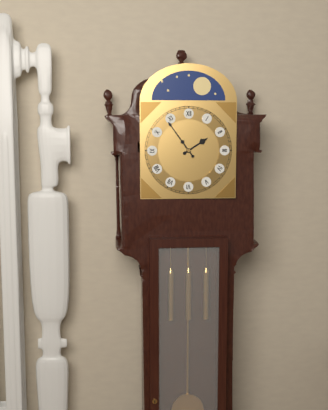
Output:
1.54
